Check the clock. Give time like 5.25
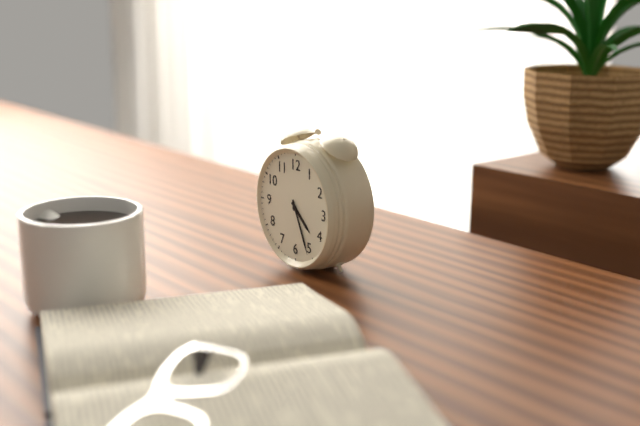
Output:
4.26
